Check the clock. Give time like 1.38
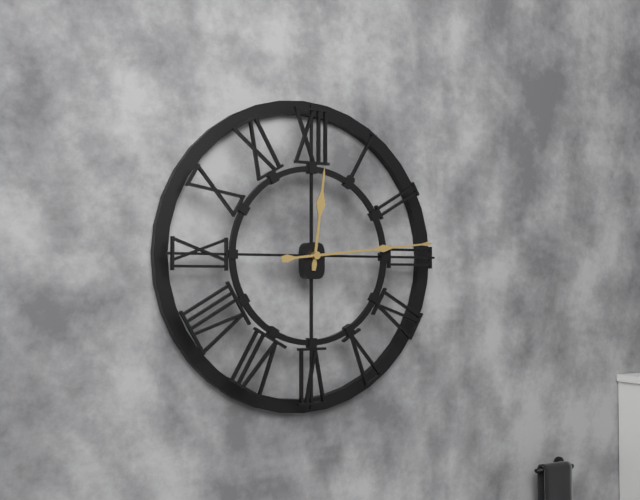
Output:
12.14
